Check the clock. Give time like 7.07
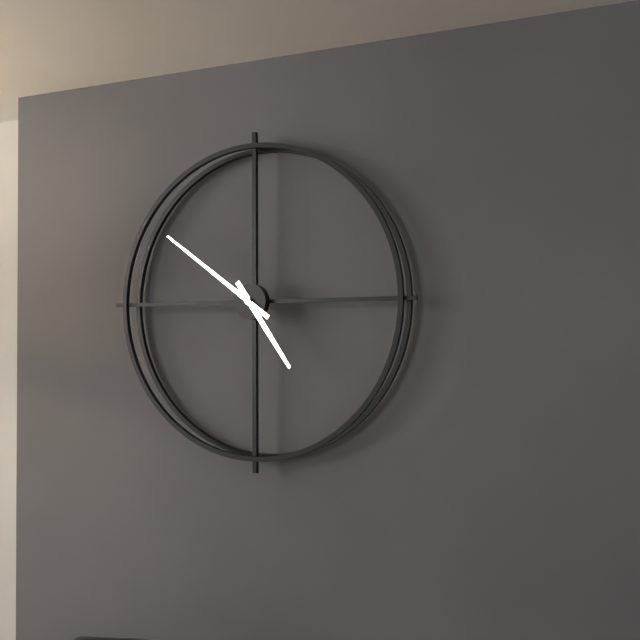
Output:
4.51
